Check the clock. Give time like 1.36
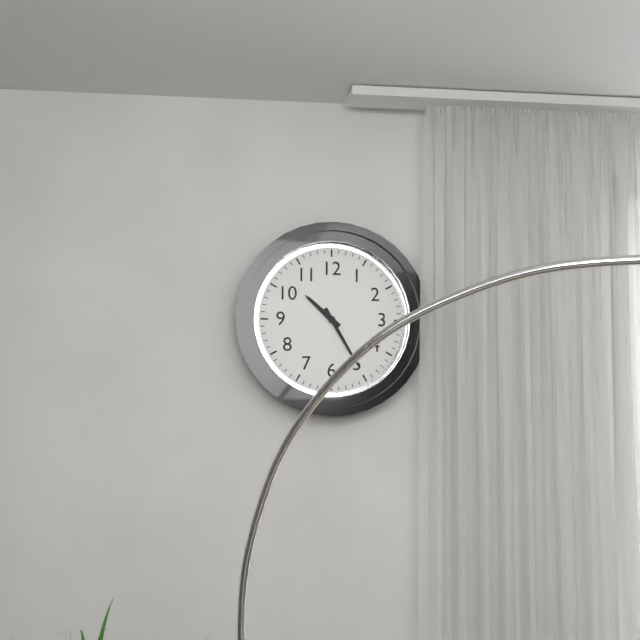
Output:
10.25
